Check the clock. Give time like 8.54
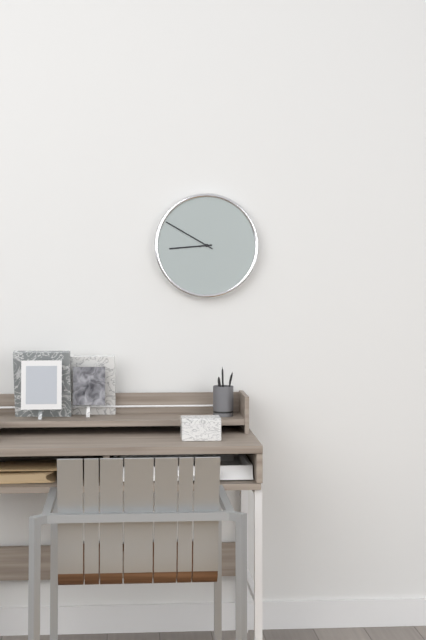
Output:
8.50
